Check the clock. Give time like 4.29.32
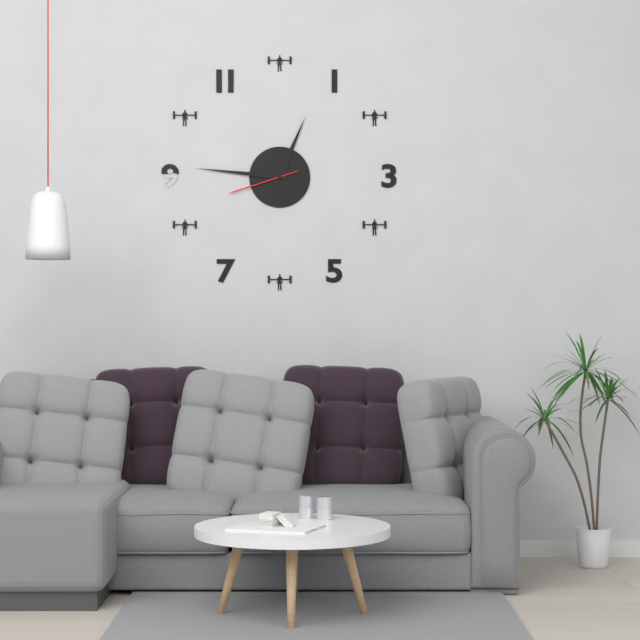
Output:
12.46.42
